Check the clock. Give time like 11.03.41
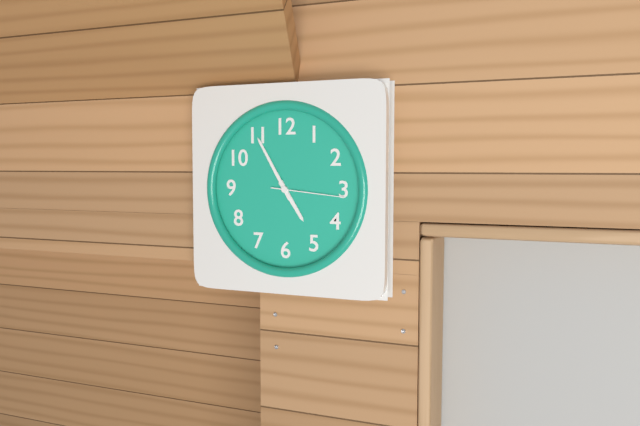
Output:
4.55.16
